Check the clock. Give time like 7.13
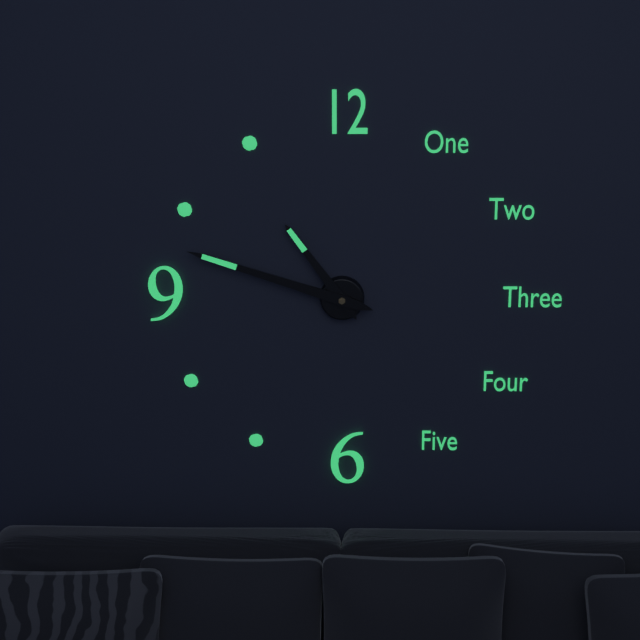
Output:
10.48
